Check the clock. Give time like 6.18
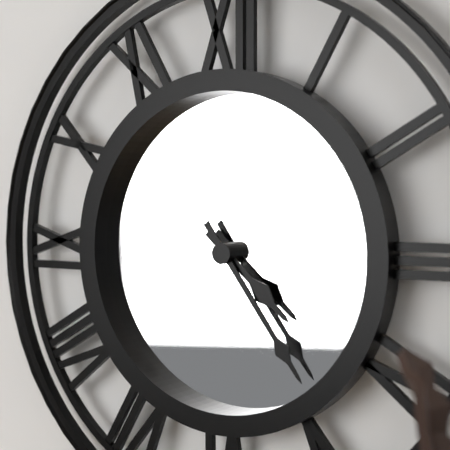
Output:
4.24
